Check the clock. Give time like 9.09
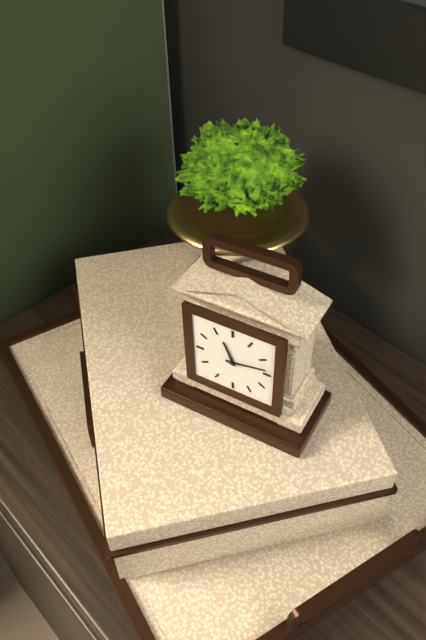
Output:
11.13
